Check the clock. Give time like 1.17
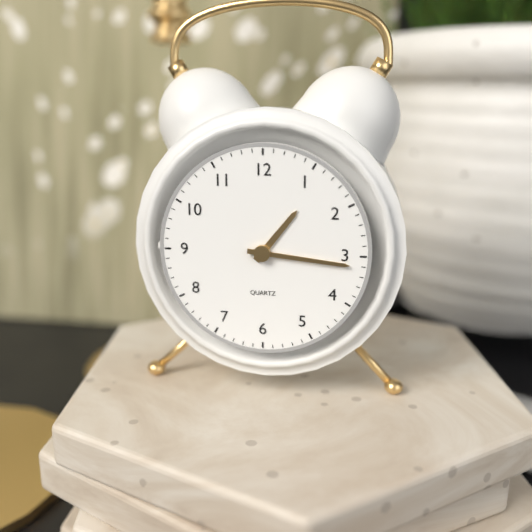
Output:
1.16
